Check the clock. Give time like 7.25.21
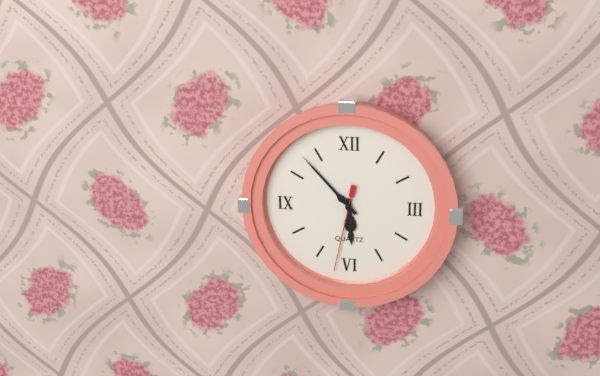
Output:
5.53.32
